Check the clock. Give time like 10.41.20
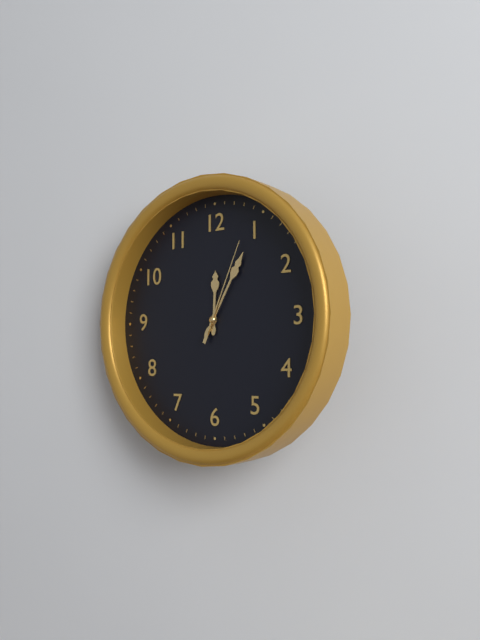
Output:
12.05.04
